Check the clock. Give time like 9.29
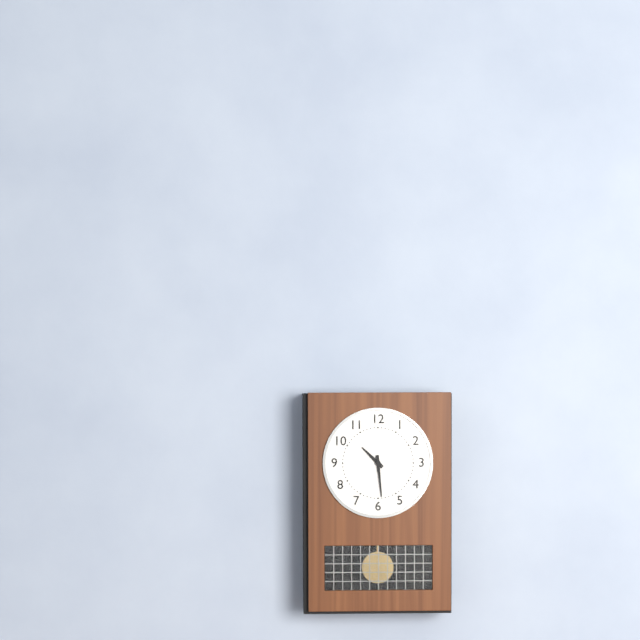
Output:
10.29
